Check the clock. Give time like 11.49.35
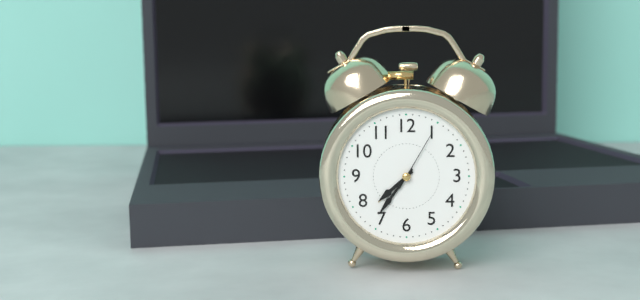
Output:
7.36.05
